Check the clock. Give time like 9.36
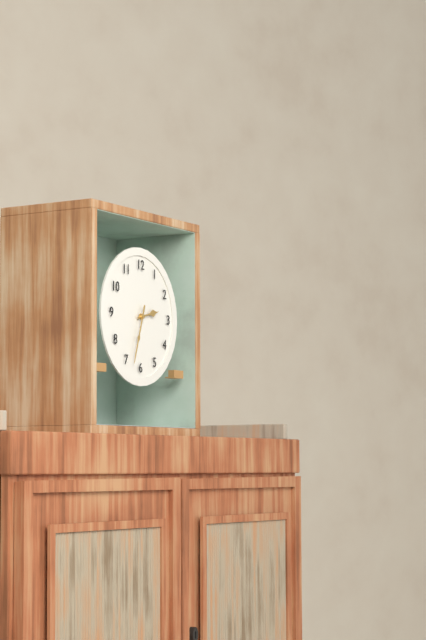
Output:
2.33
